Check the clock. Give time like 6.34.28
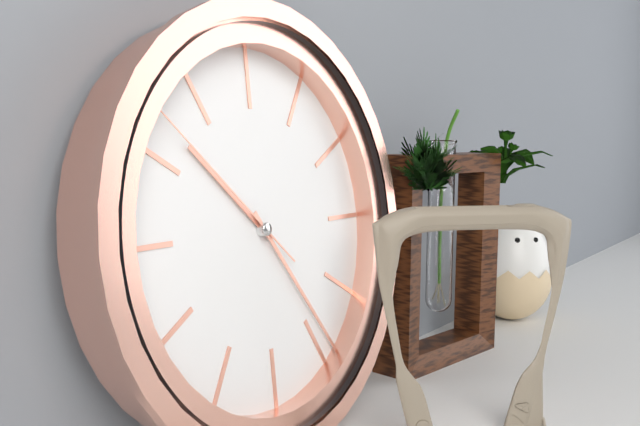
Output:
10.24.52
